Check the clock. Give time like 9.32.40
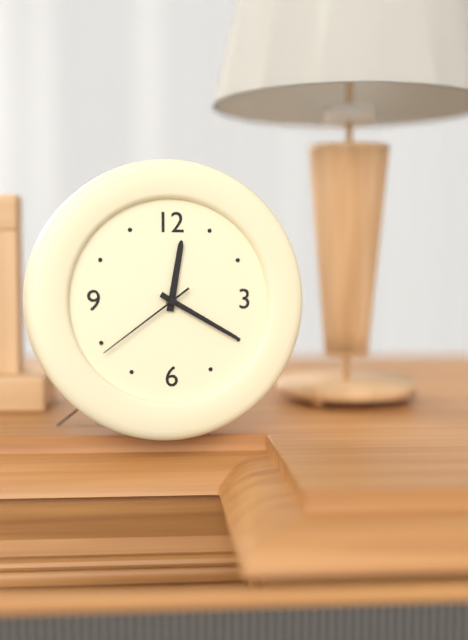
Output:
12.20.39
